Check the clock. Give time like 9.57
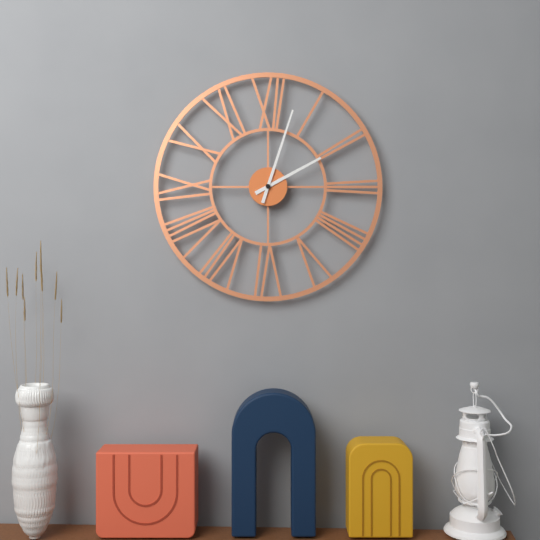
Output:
2.03
